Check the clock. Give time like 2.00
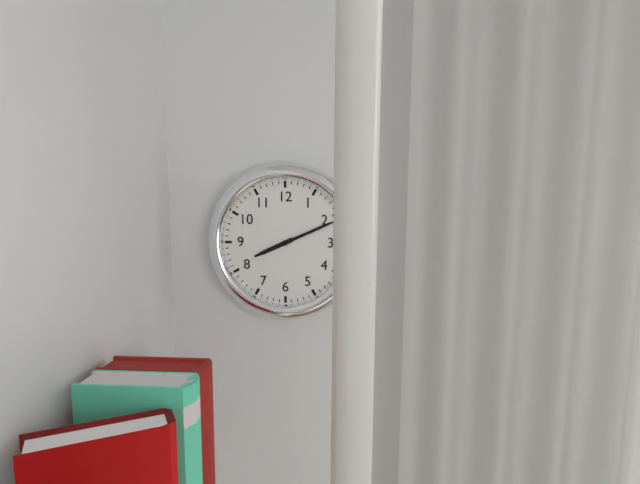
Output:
8.11
